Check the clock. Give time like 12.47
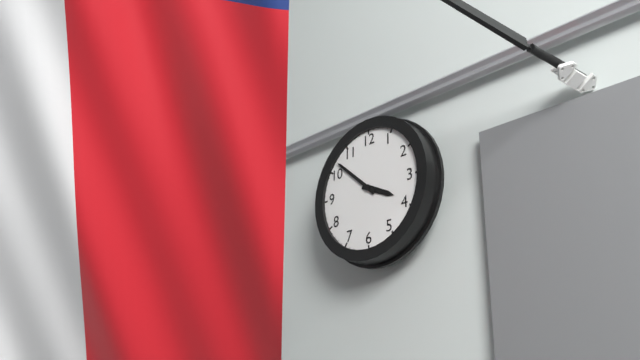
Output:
3.52
